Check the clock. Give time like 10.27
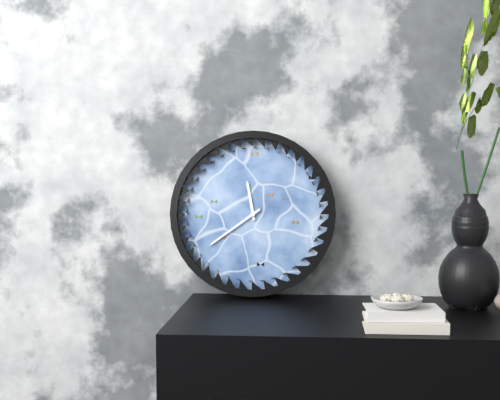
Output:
11.39
